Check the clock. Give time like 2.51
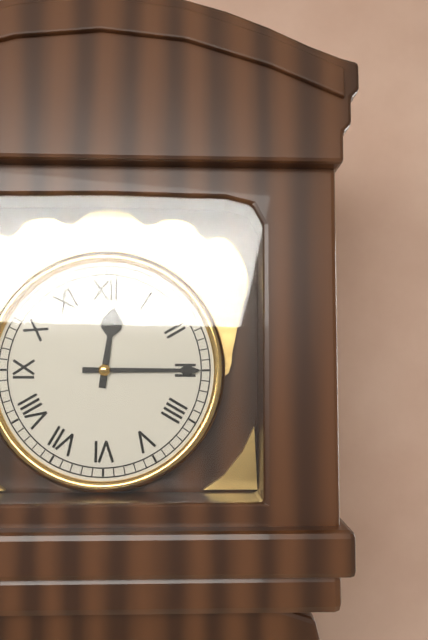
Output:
12.15
